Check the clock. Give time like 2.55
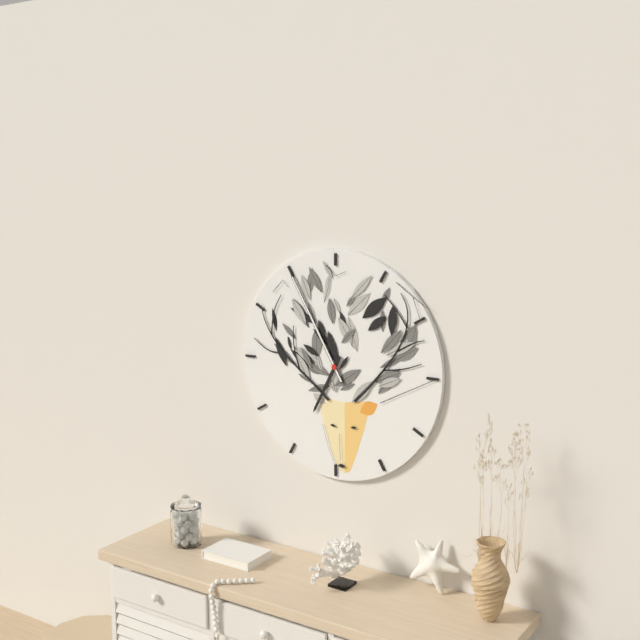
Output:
6.55
